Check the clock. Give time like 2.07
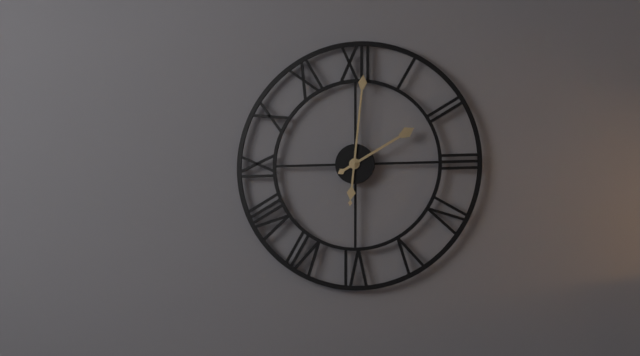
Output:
2.01
